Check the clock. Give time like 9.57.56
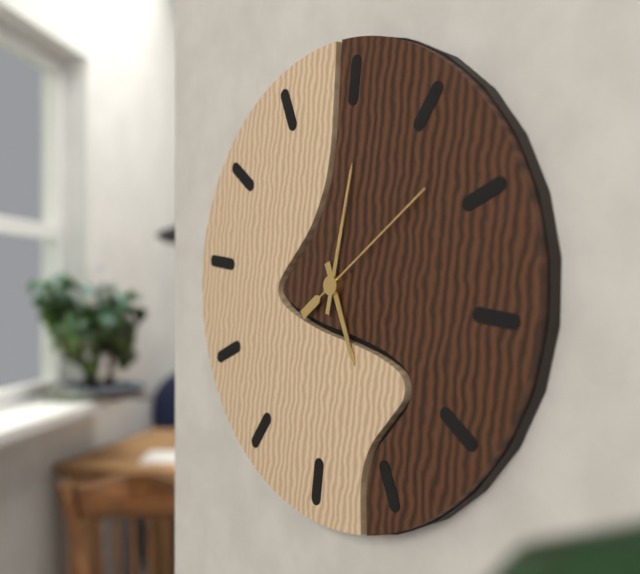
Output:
5.01.08
